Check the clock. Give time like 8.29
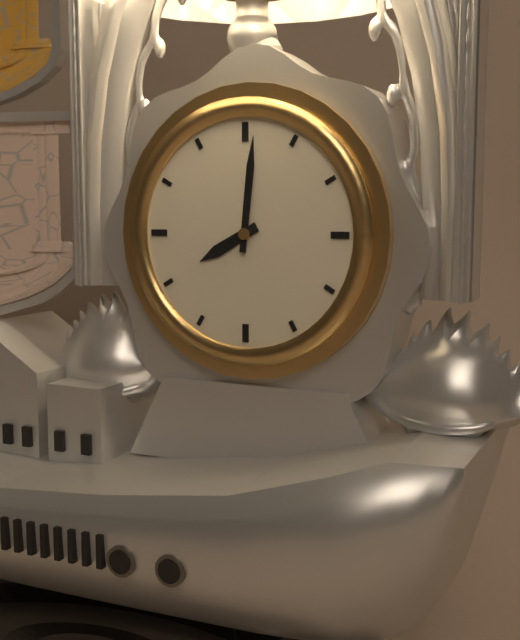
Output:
8.01
